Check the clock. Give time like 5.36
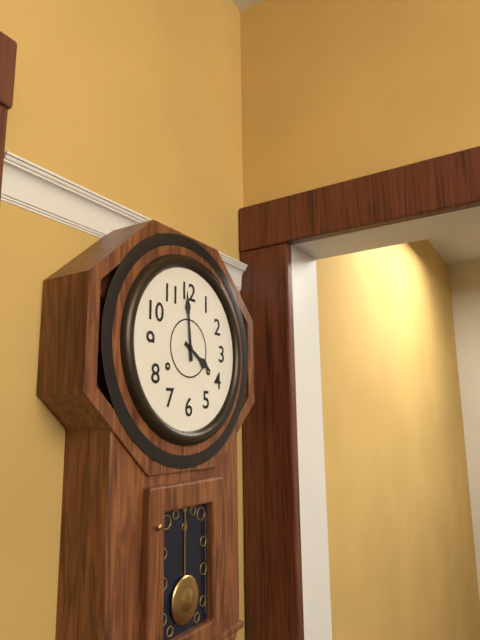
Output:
3.59
